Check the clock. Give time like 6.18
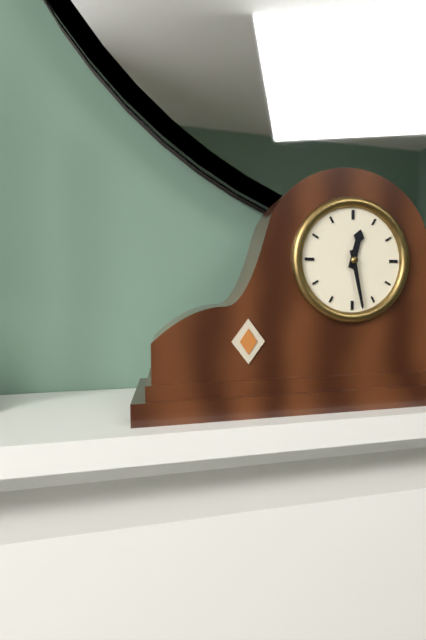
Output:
12.28
